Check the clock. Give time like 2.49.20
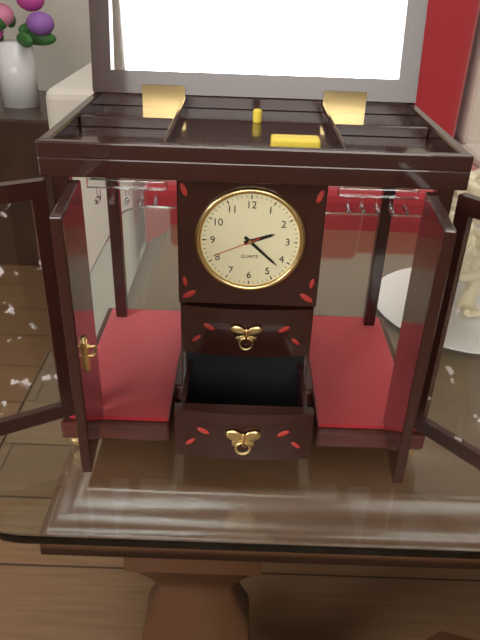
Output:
2.22.41
